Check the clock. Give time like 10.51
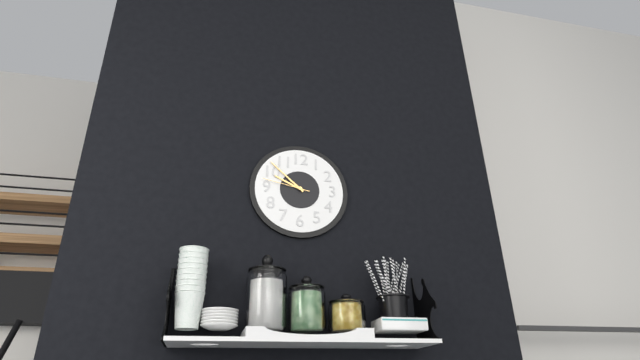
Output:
9.52
